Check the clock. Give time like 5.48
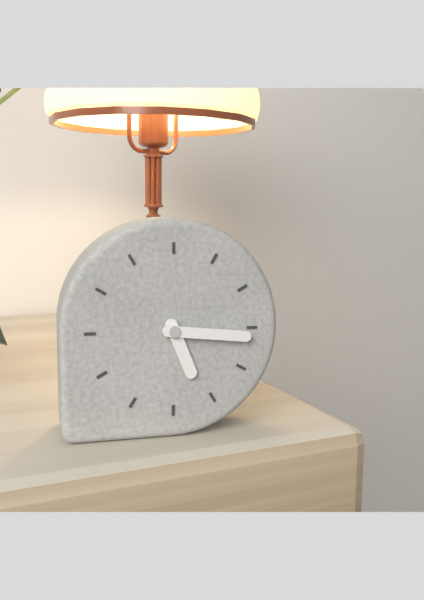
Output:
5.16
